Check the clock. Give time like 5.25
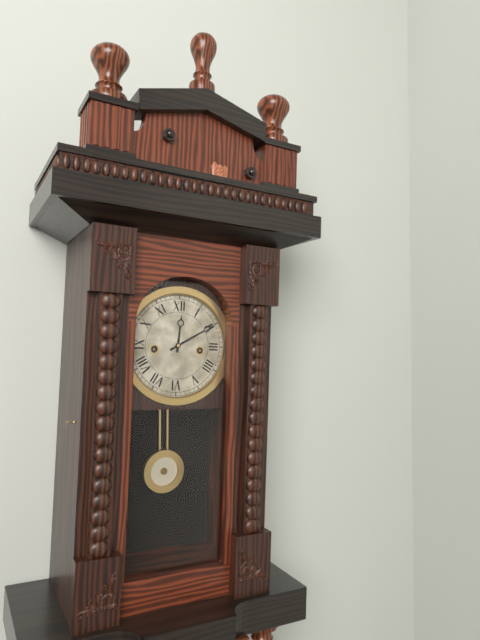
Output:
12.10
